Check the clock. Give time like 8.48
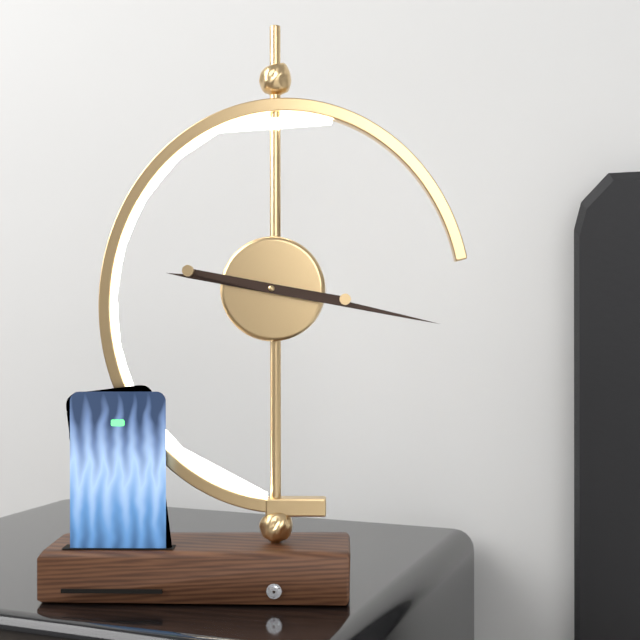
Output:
9.17
